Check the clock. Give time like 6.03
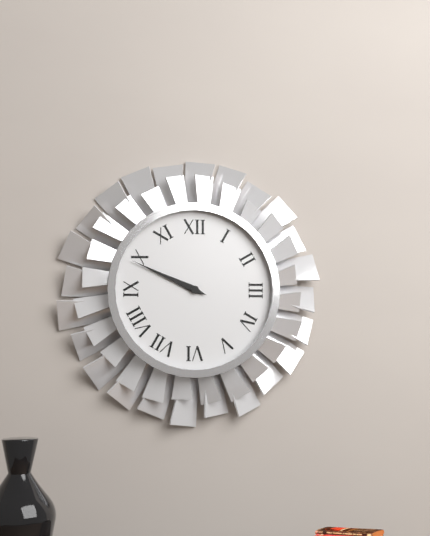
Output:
9.49
